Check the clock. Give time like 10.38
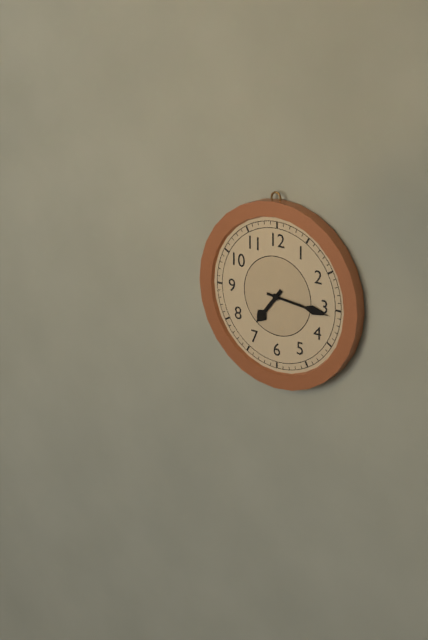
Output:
7.16
